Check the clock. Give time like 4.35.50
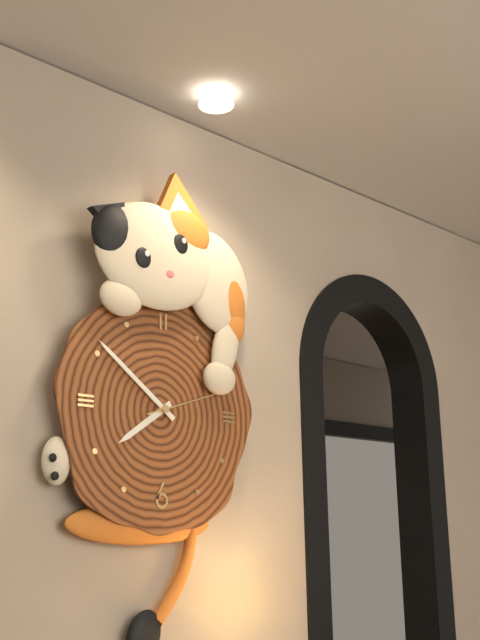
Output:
7.51.12
